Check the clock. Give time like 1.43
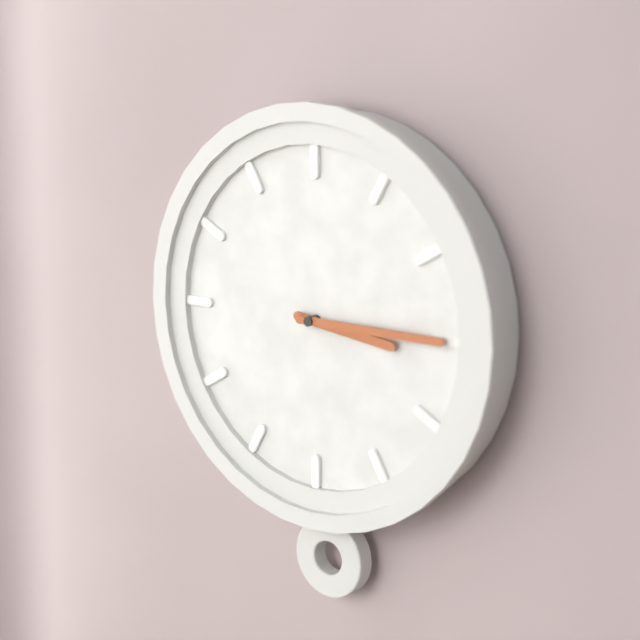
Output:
3.15
